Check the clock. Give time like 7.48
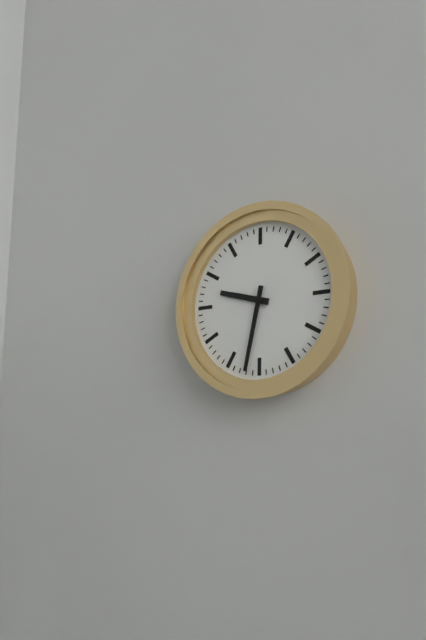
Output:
9.32
